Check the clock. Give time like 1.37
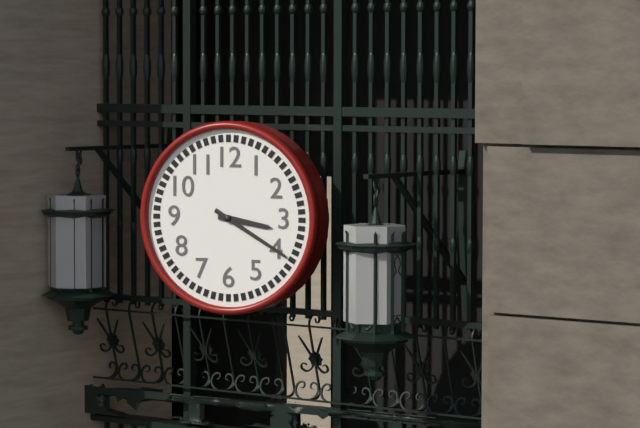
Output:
3.20
